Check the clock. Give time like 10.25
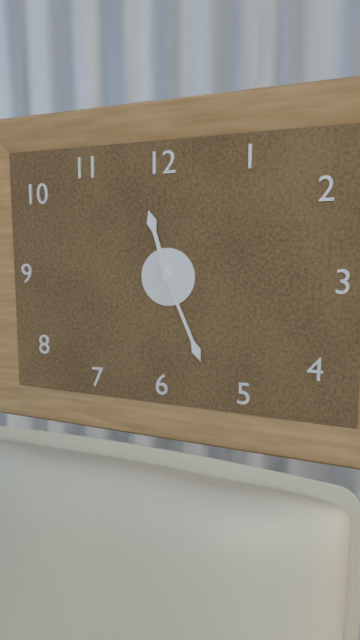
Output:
11.26
